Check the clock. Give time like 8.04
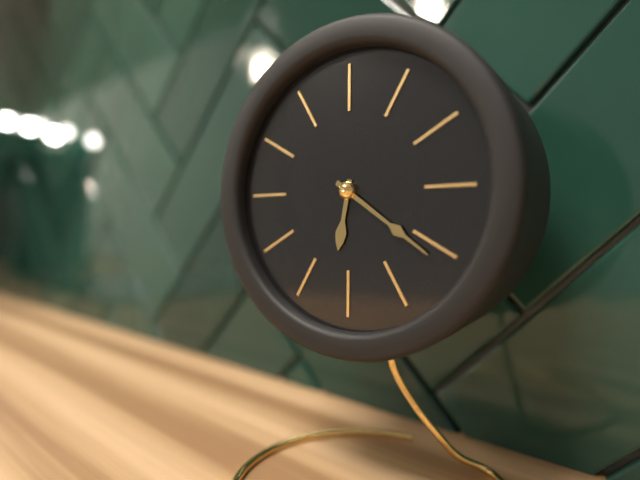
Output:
6.21
